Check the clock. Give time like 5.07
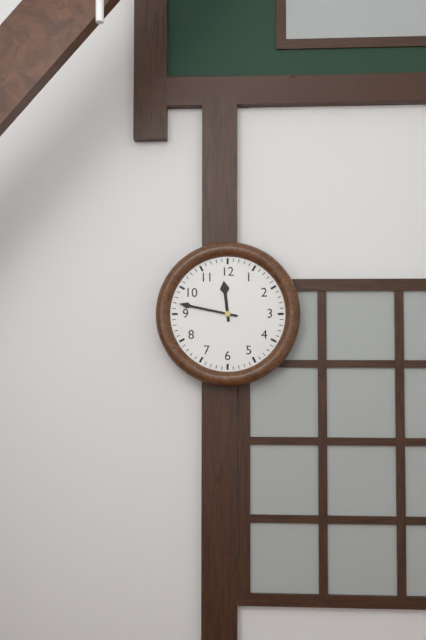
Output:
11.47
